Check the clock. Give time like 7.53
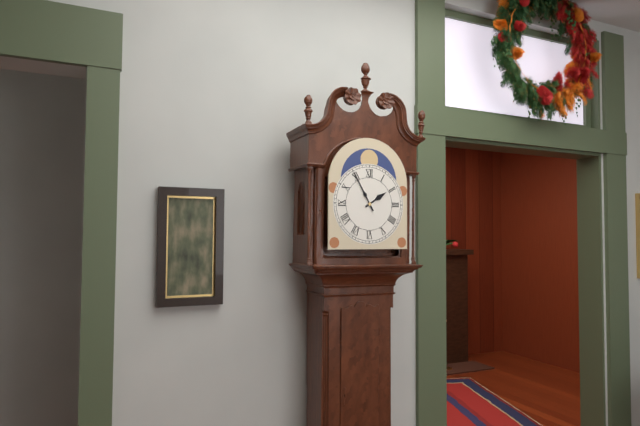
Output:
1.55
